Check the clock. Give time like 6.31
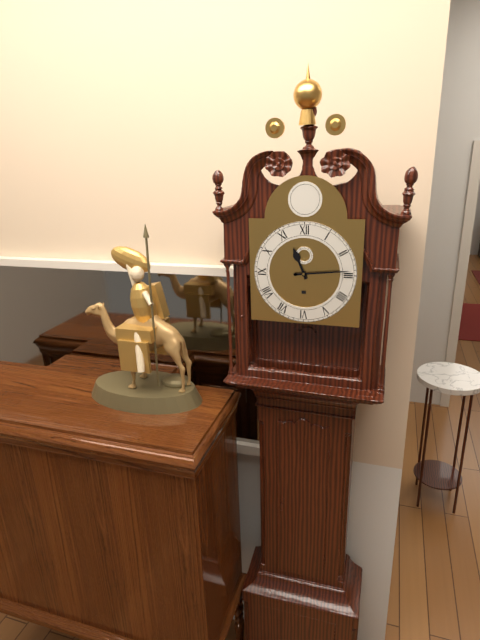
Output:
11.14
